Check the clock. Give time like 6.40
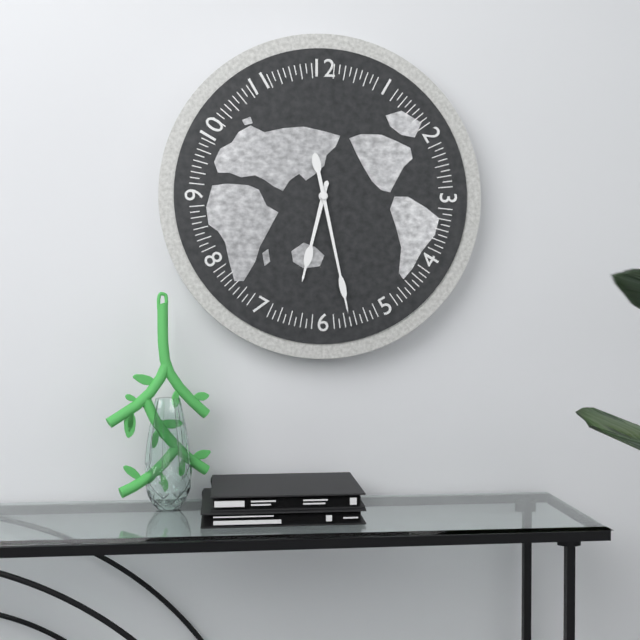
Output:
6.28
